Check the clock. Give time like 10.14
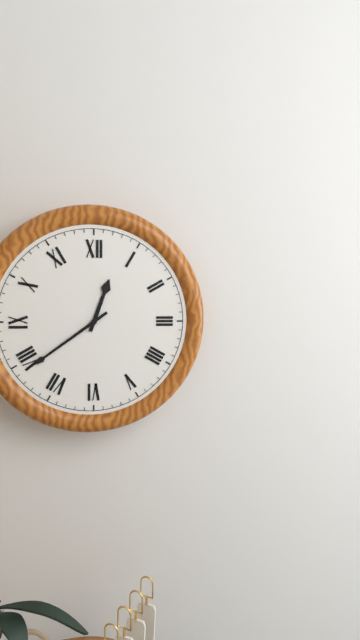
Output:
12.39
